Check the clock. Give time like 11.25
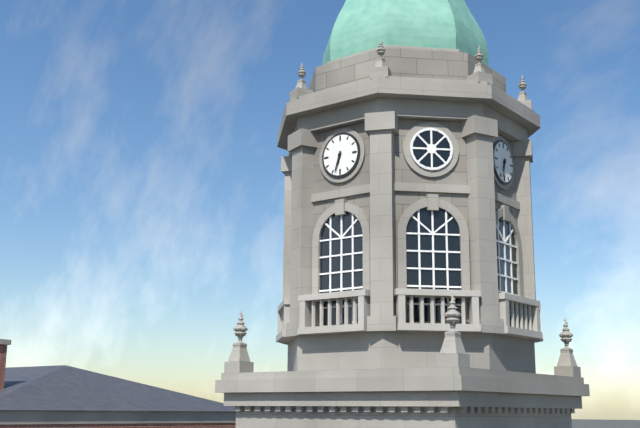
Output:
6.33
